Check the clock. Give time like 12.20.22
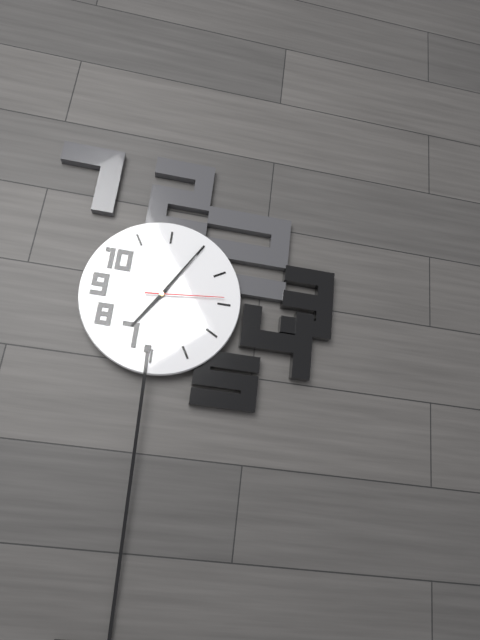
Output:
7.05.14
